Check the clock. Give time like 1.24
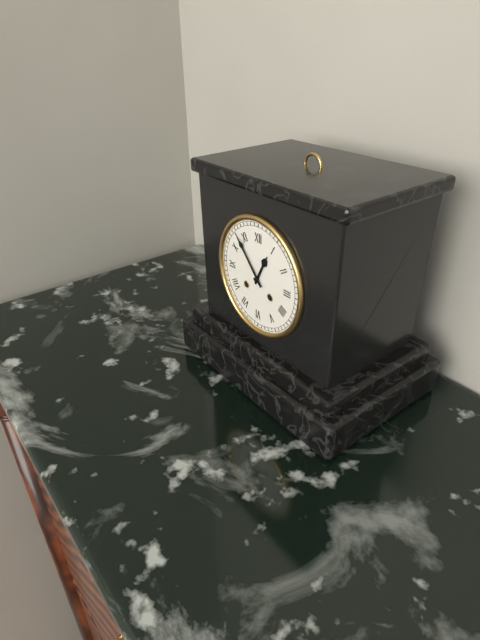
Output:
12.53
